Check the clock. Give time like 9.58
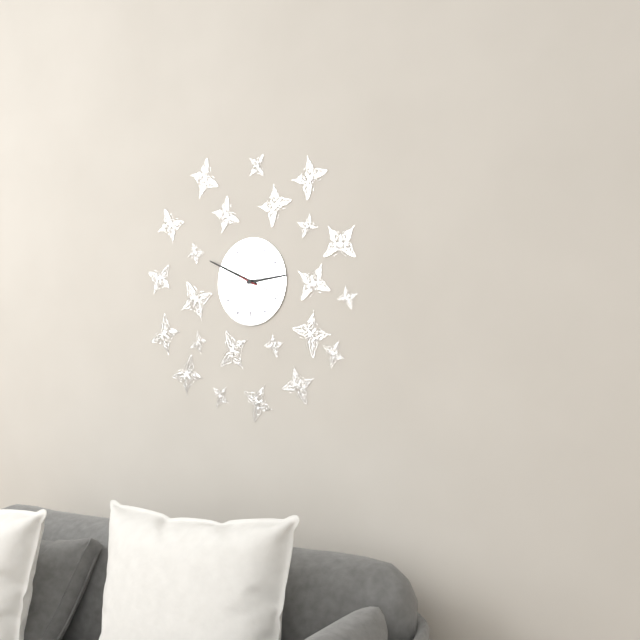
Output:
2.49
